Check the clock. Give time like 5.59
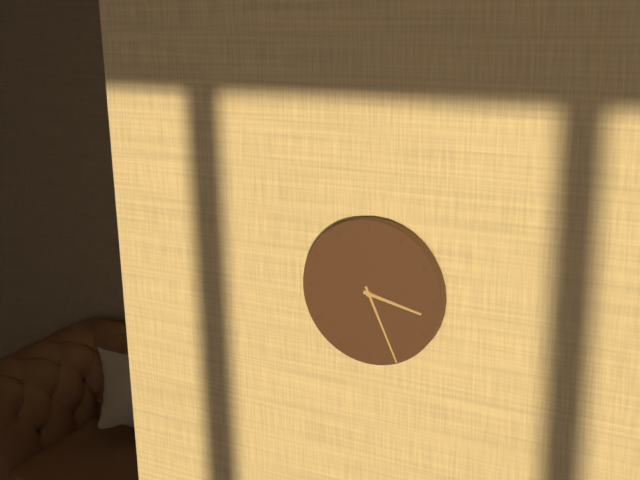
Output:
3.26
